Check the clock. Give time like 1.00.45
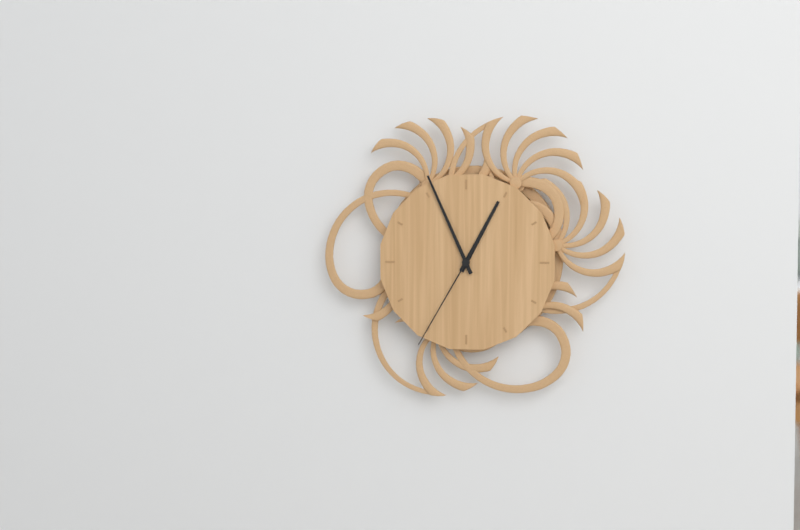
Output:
12.56.35
